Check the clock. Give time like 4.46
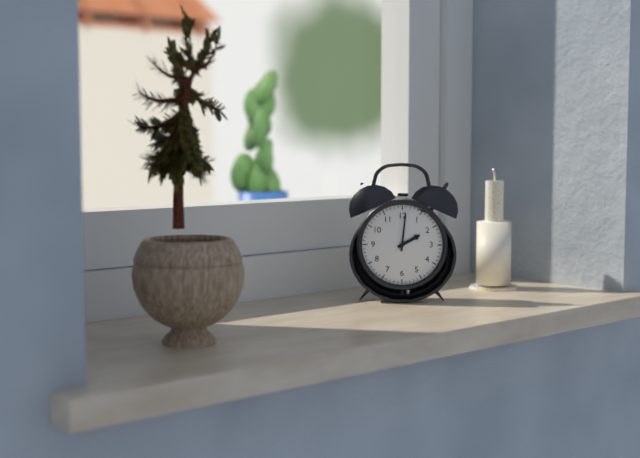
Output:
2.01
